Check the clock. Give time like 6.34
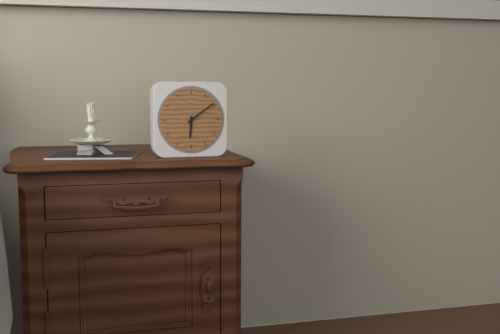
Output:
6.09
